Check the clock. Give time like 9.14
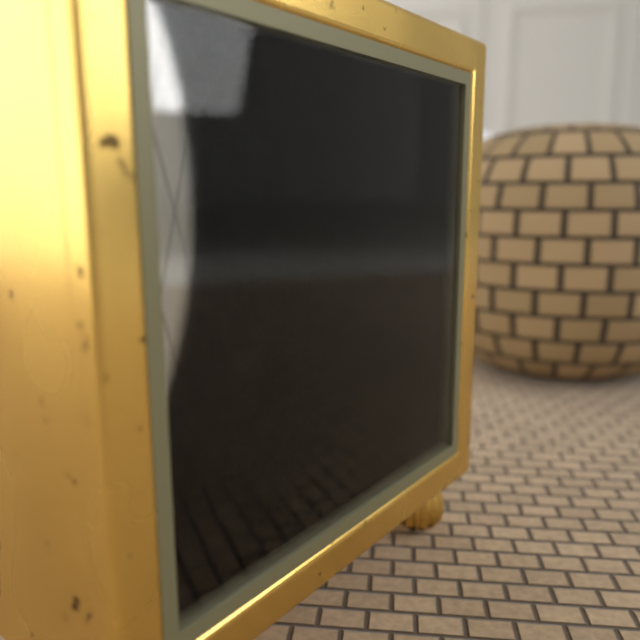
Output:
9.52
